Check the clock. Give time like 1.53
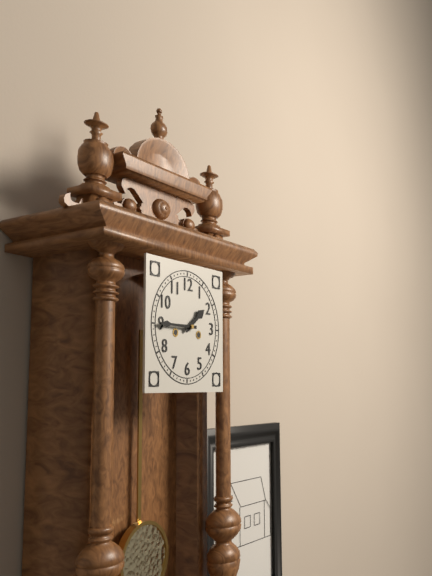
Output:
1.45
